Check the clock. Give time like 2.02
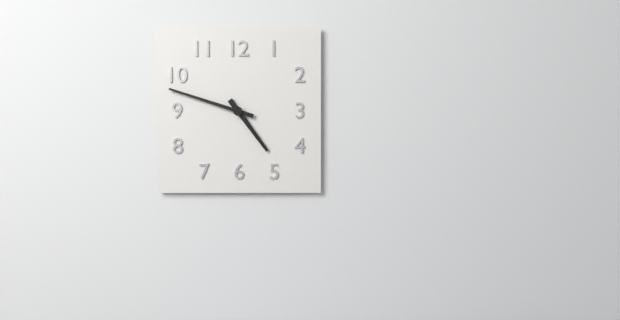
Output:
4.48
